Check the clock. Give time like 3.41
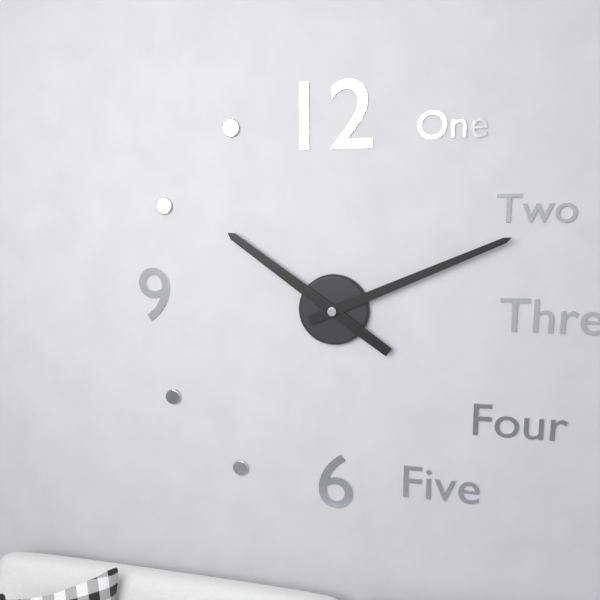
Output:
10.11
